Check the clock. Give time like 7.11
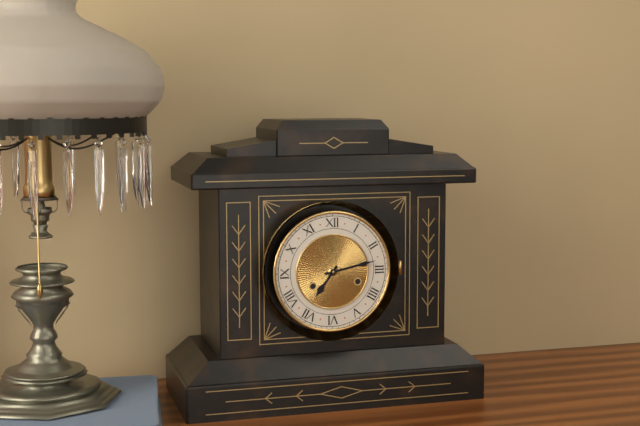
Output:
7.13
